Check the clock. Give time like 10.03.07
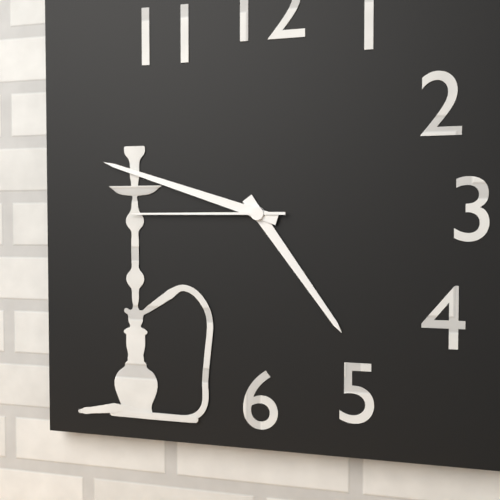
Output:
4.48.45
